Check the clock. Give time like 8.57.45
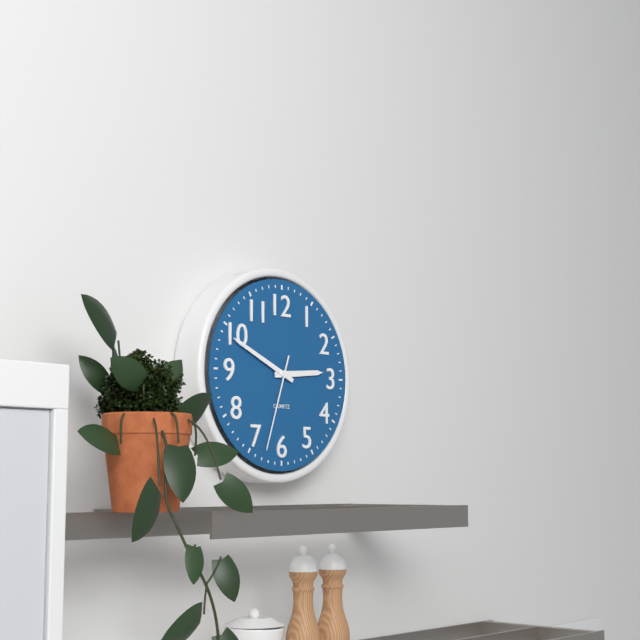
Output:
2.49.33
